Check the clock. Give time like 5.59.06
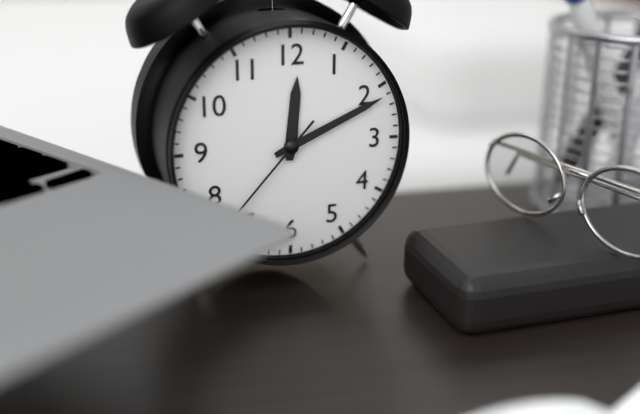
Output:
12.11.37
